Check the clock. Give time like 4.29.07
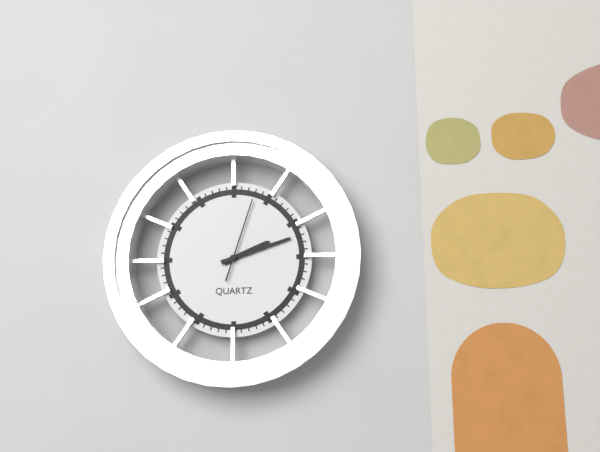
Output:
2.12.03
